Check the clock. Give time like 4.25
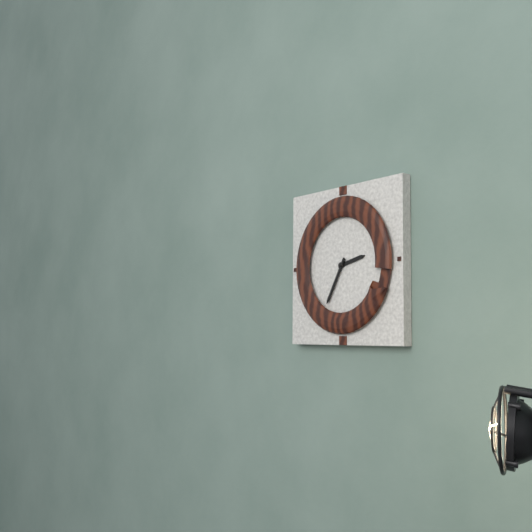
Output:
2.35
